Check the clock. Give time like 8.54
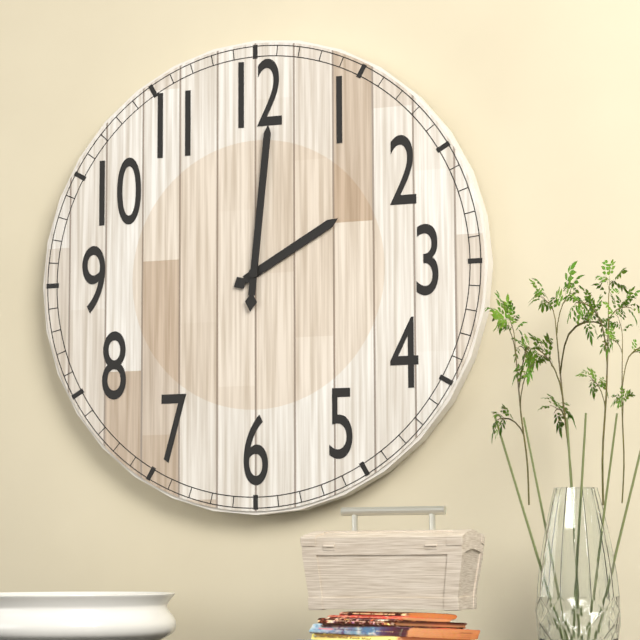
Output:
2.01
